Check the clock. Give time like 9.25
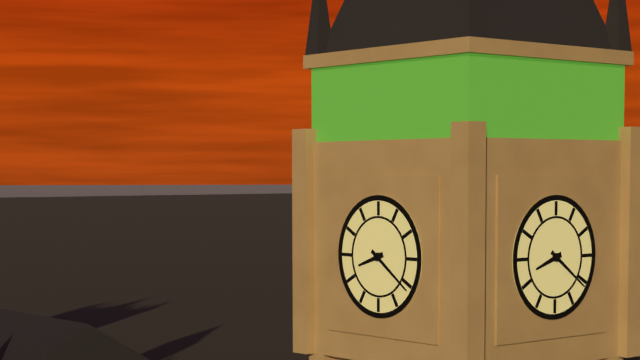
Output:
8.21
